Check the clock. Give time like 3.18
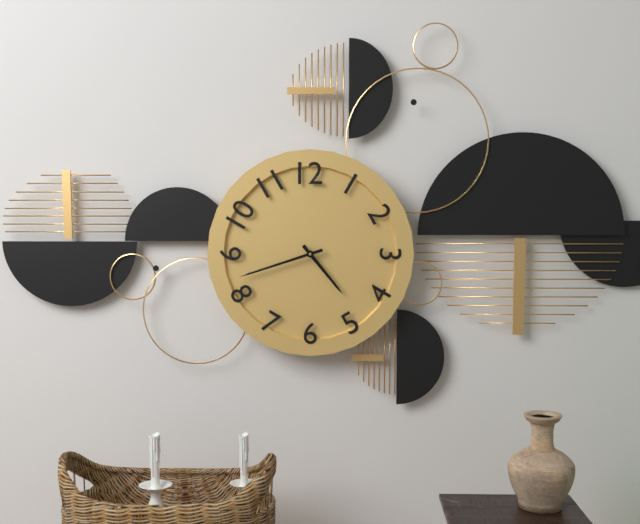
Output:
4.42
